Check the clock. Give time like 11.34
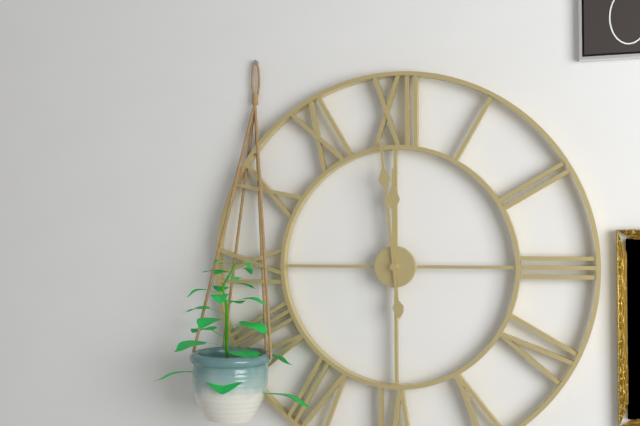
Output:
11.59
